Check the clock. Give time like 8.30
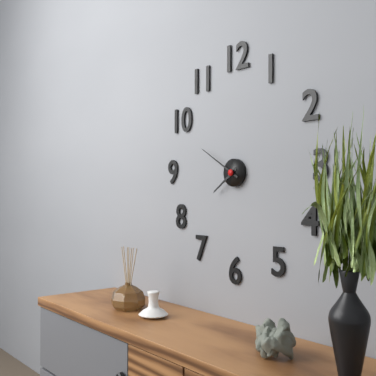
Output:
7.50
